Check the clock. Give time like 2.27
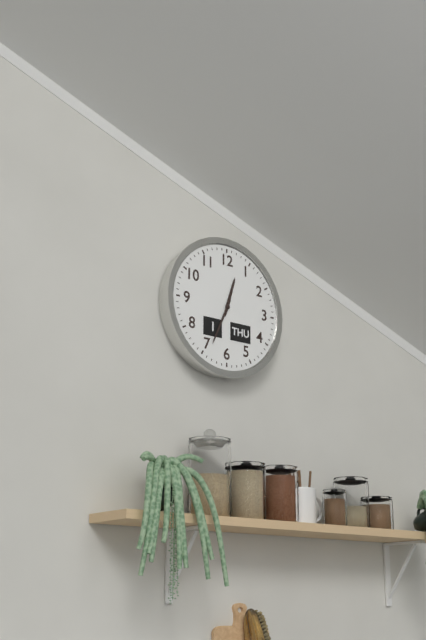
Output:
12.34
